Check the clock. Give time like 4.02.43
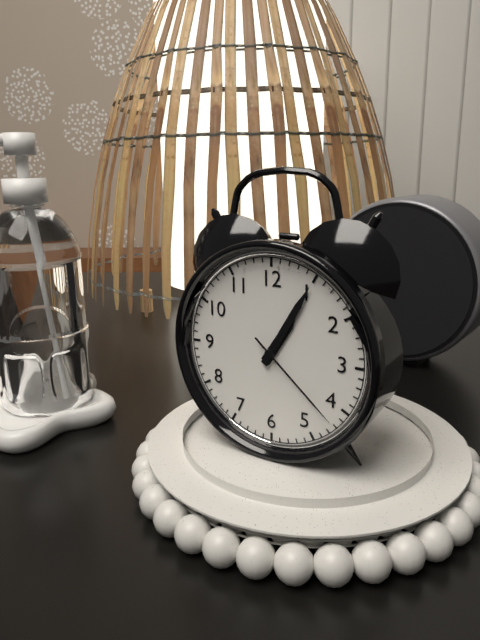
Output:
1.05.22
